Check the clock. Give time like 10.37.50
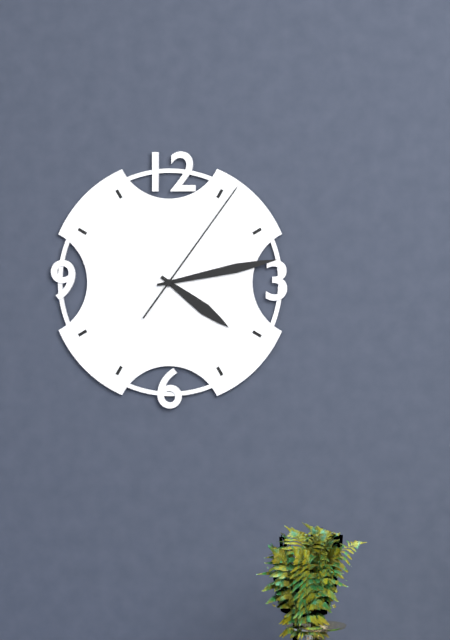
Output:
4.13.06
